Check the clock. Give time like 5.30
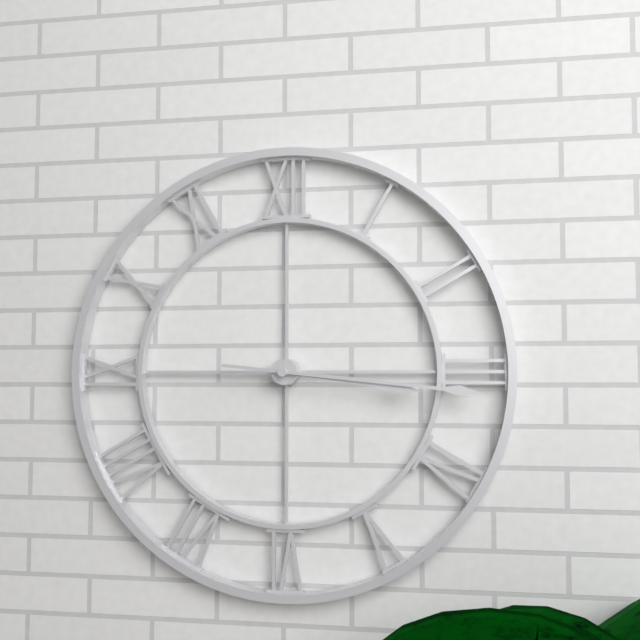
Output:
3.16
